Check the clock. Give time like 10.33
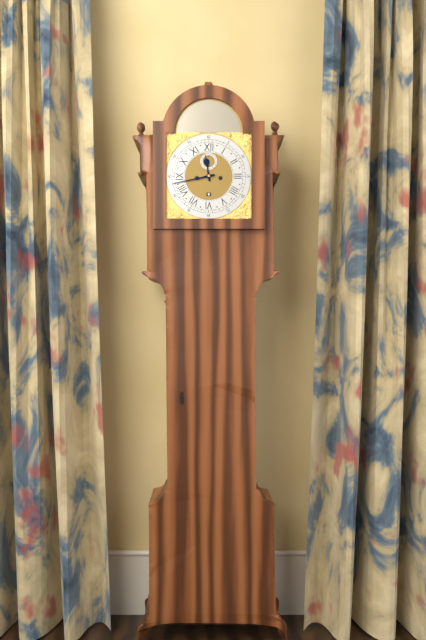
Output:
11.43
